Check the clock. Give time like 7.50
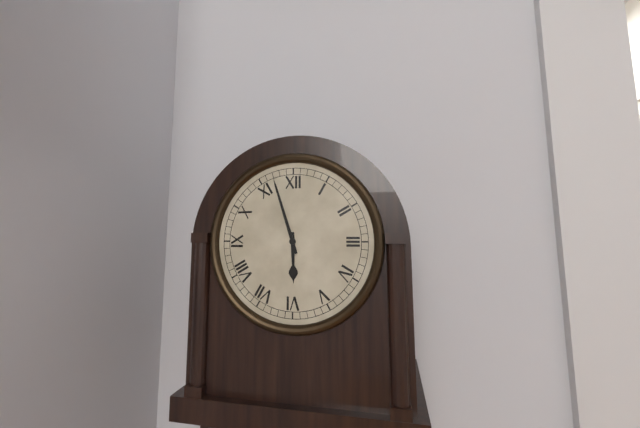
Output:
5.57
